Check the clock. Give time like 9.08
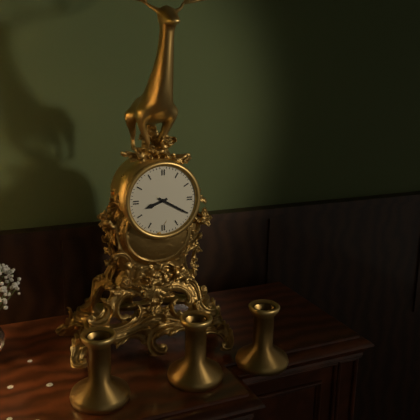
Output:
8.20
